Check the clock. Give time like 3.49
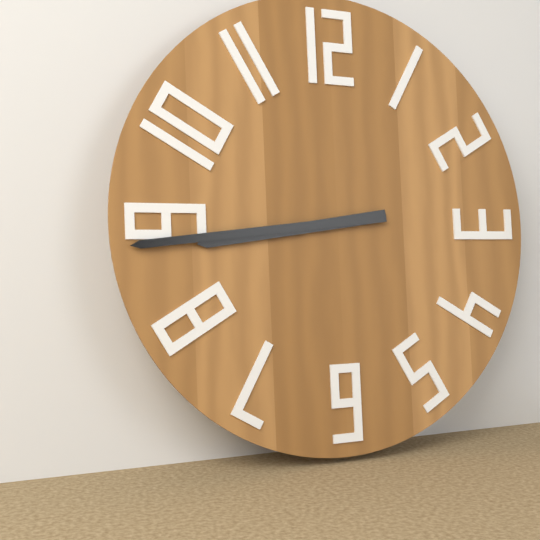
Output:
8.44
